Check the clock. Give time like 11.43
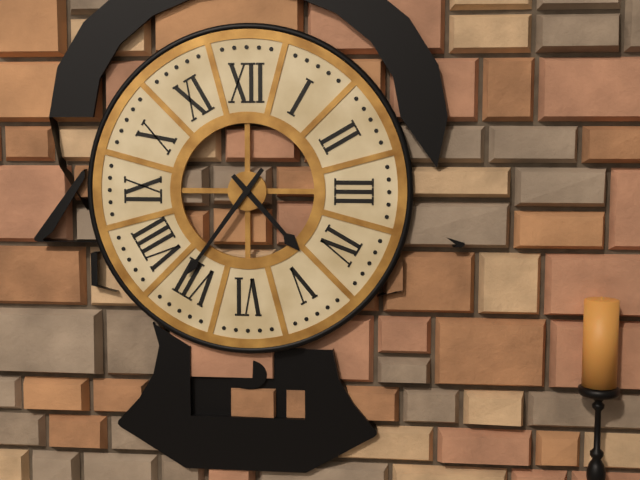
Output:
4.36
